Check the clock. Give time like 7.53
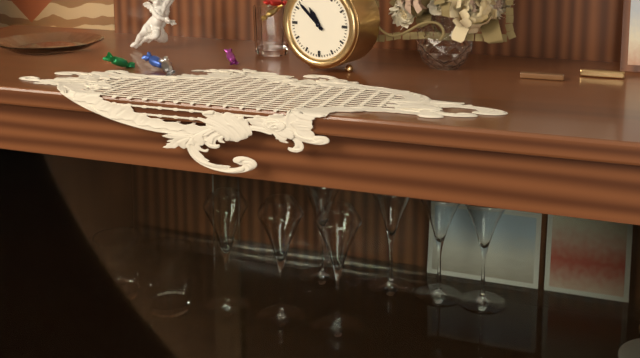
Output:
10.52
